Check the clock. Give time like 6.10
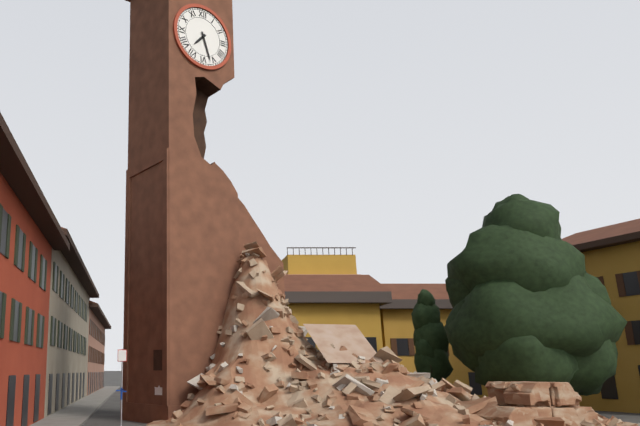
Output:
7.27
